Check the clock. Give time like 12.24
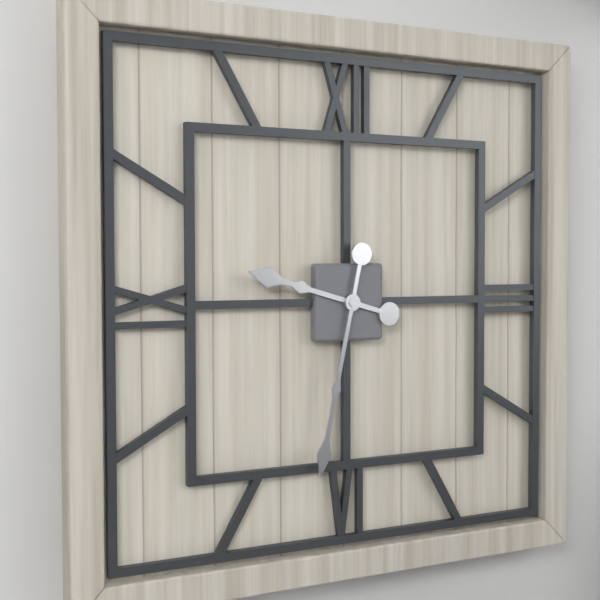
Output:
9.32
